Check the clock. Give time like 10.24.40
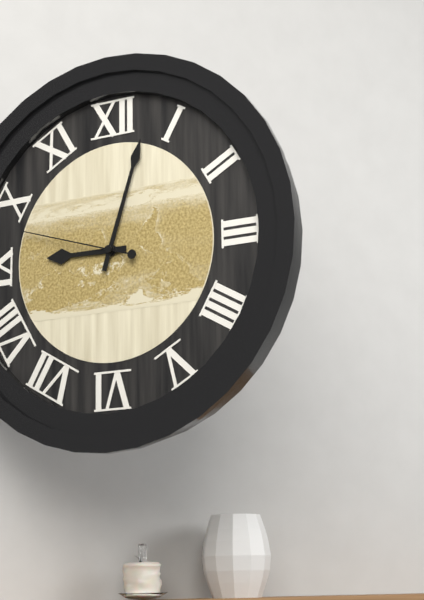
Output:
9.03.48
